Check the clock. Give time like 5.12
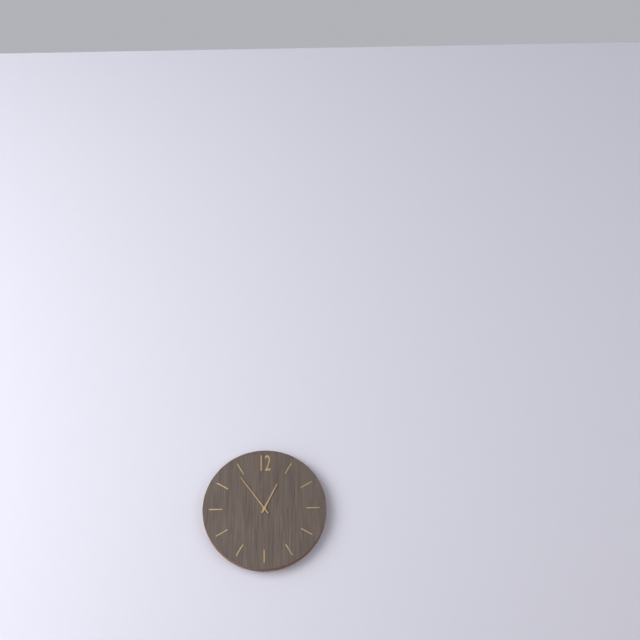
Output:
12.54
